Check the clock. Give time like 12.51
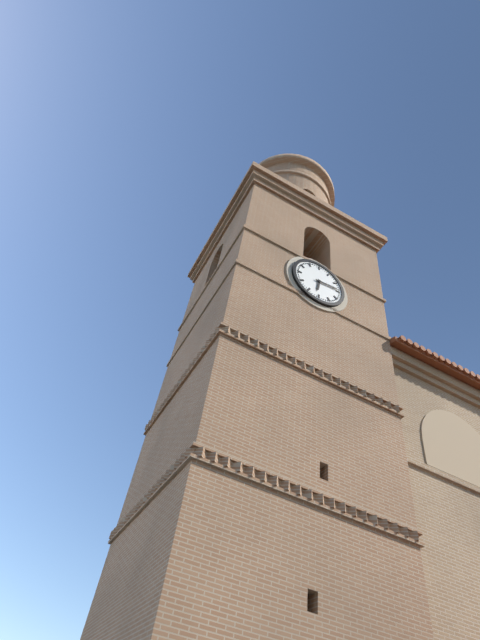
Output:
6.14
